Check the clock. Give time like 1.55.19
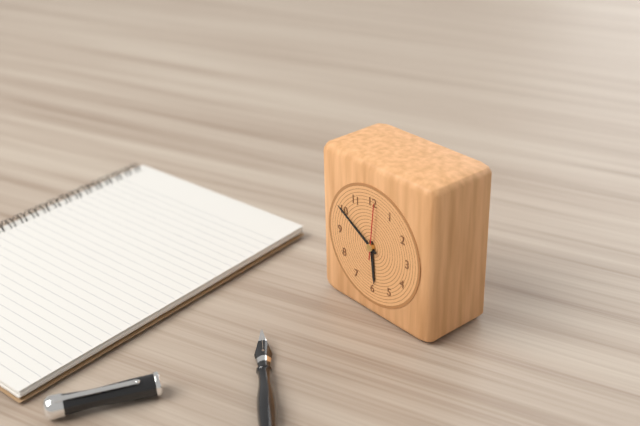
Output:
5.50.01
